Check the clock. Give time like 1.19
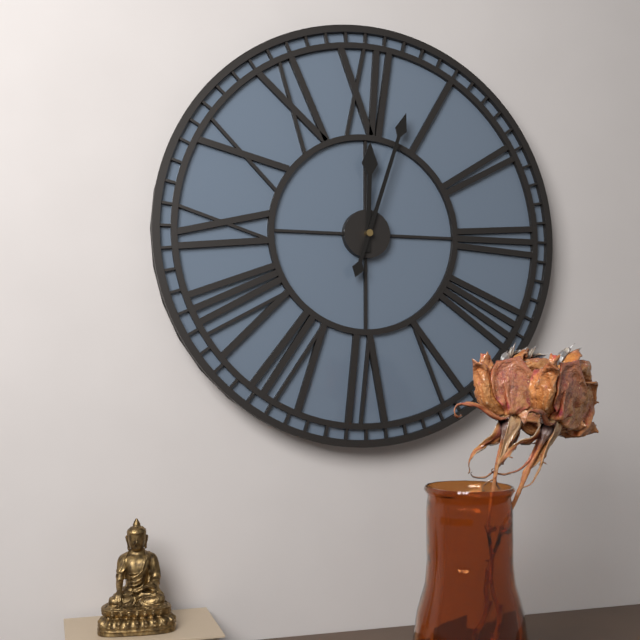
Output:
12.03
